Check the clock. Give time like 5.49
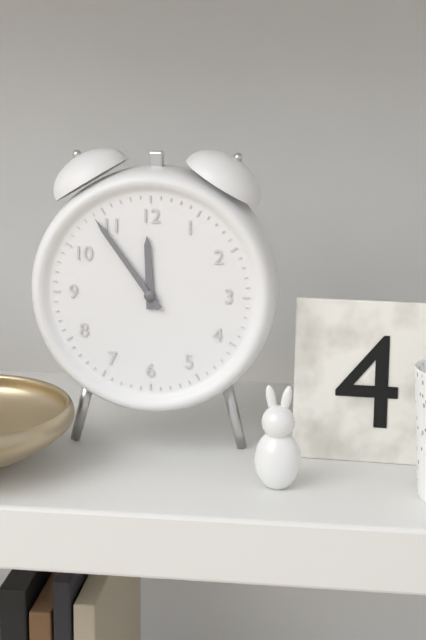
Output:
11.54
